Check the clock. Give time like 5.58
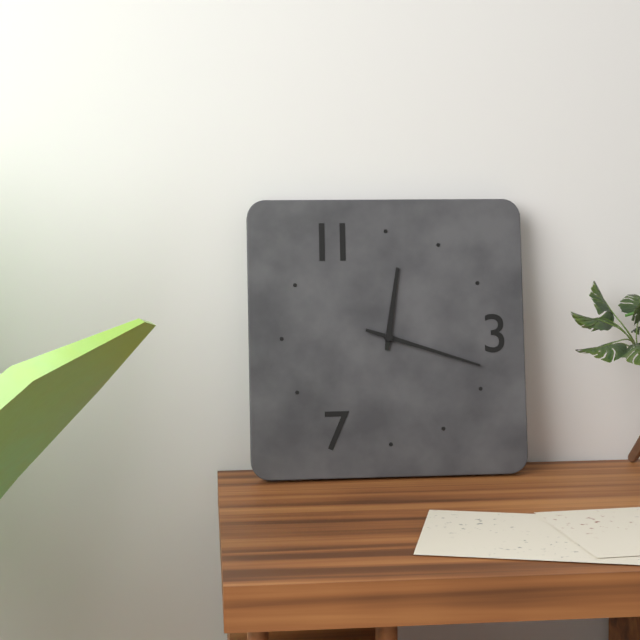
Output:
12.18
